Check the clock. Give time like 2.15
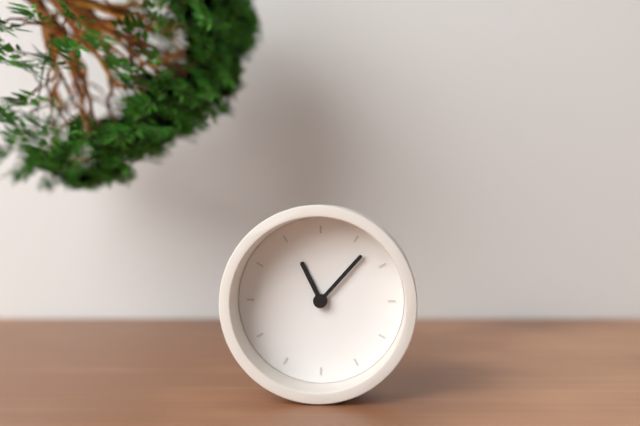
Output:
11.07
